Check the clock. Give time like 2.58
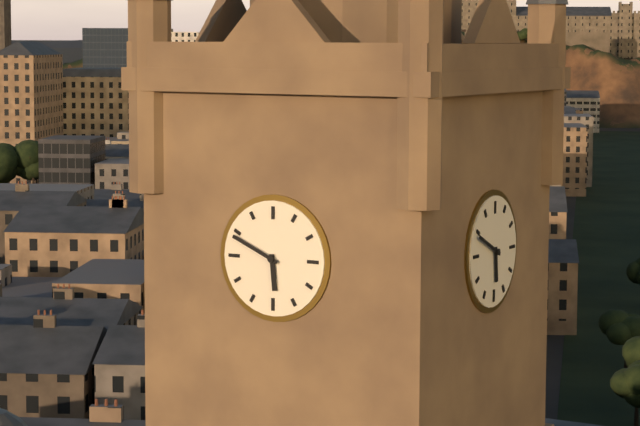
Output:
5.49
